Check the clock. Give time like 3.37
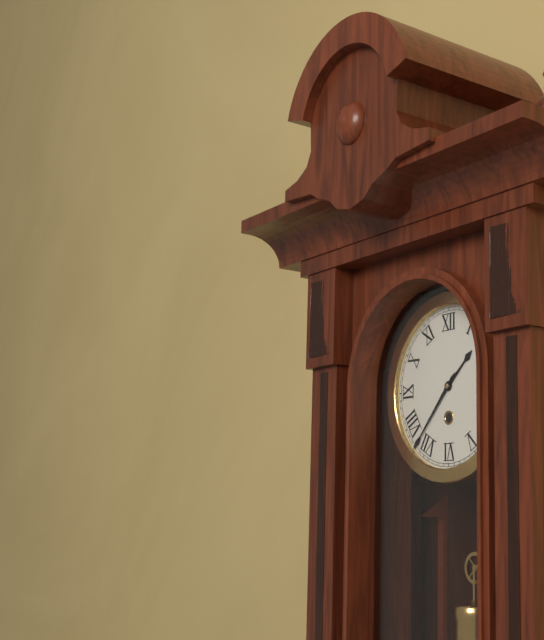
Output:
1.37
